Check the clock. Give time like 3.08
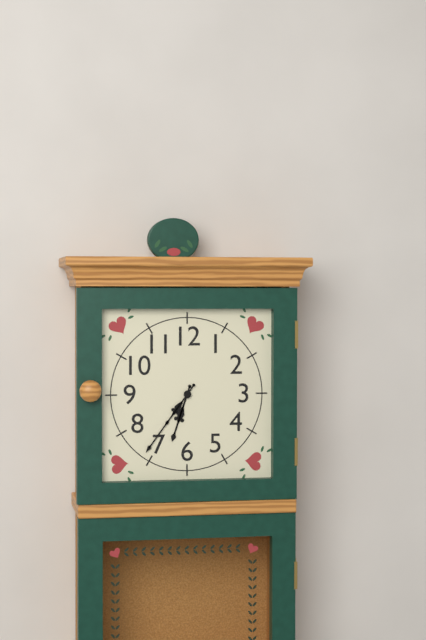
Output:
6.36
